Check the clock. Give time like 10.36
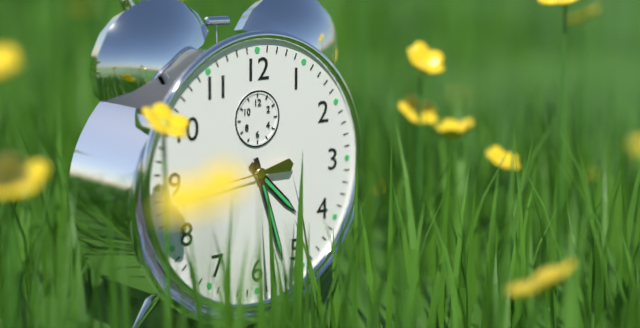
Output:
4.27
